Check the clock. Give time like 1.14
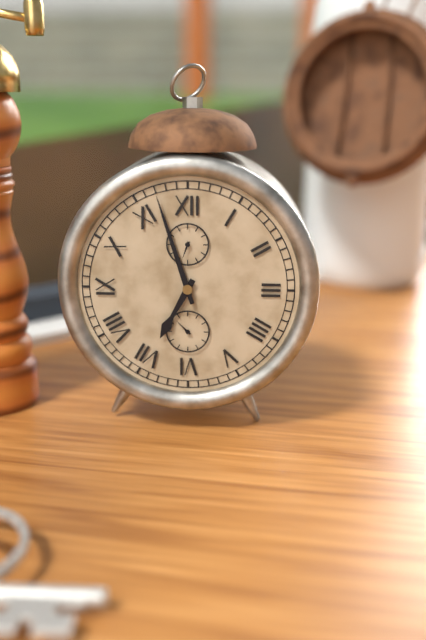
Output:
6.57
